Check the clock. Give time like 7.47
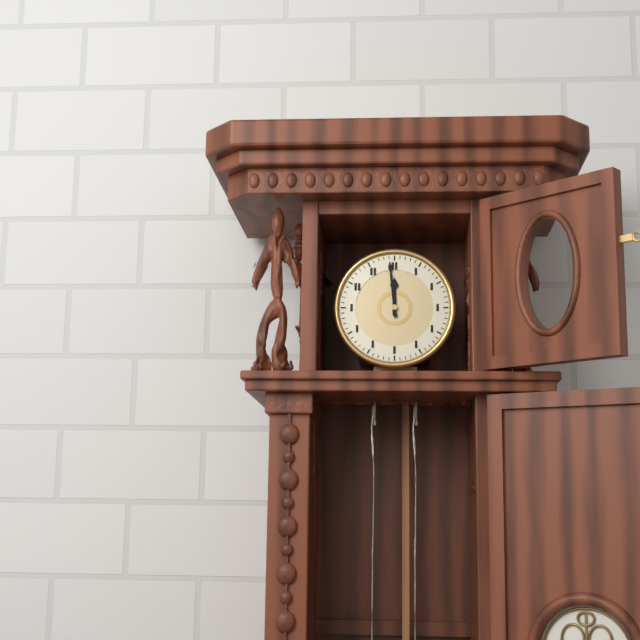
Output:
11.59
